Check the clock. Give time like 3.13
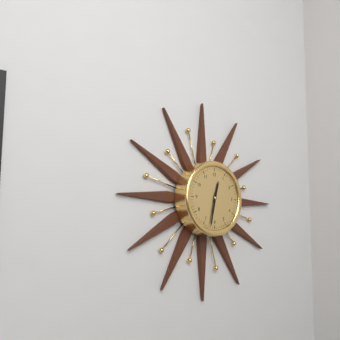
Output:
12.32
